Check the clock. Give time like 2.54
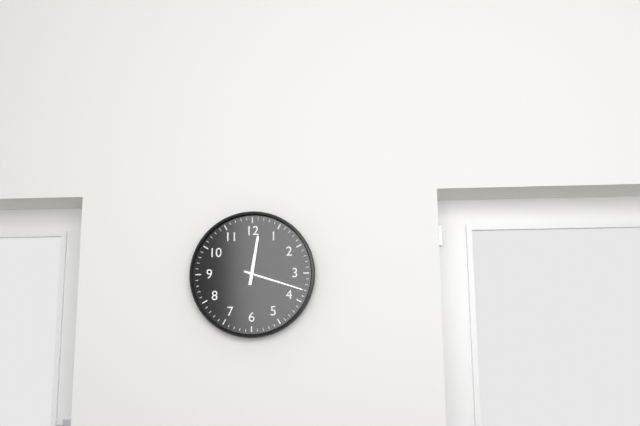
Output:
12.18
